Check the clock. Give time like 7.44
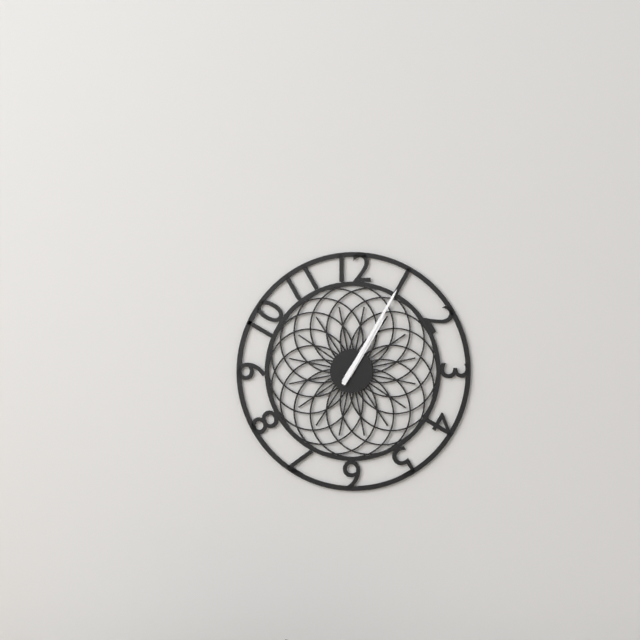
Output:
1.05
